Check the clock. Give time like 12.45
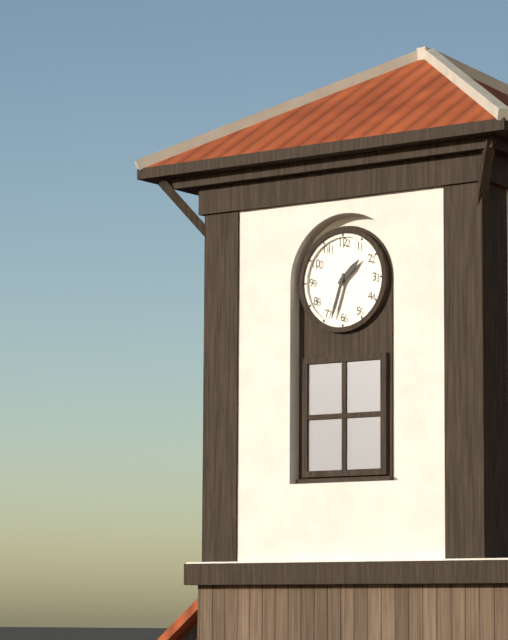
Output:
1.33
